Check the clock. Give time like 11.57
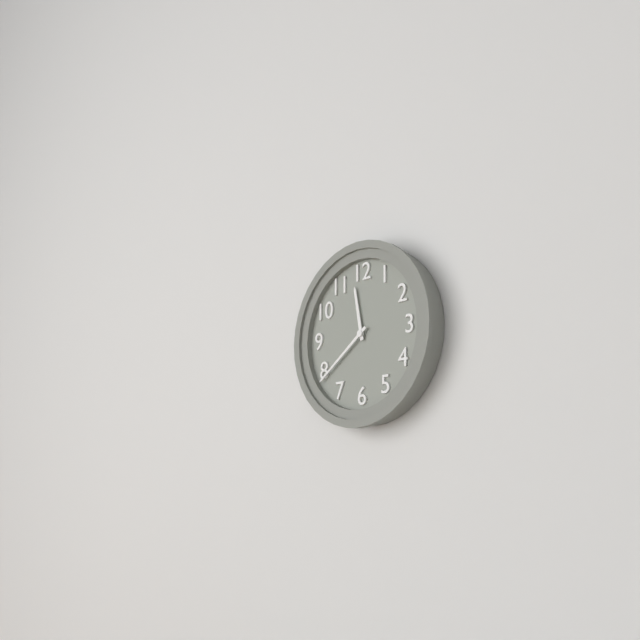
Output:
11.39
